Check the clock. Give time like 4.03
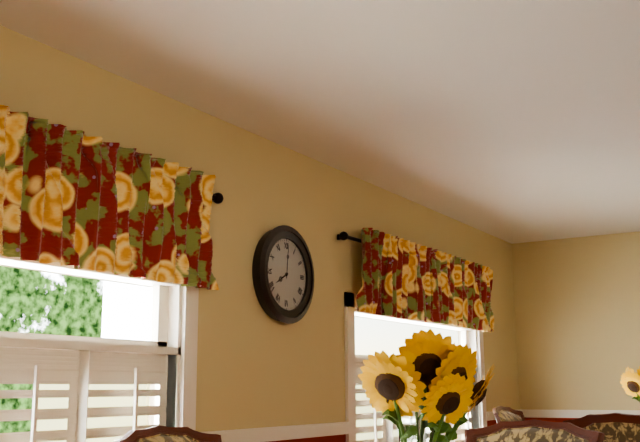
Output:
8.01
